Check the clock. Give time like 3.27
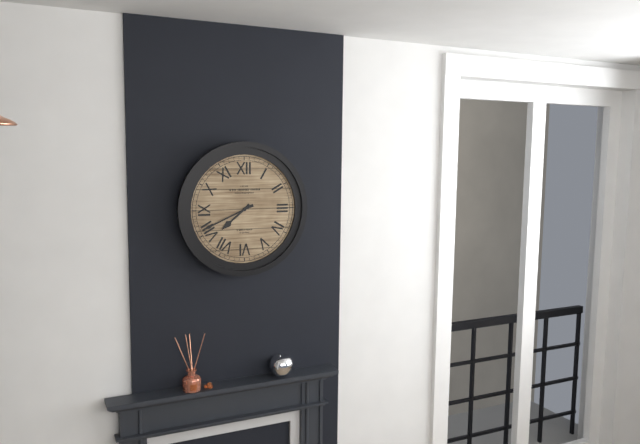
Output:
7.41
